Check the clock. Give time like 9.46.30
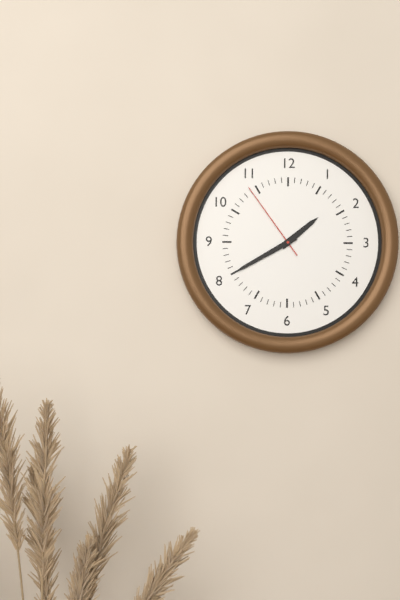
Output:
1.40.54
